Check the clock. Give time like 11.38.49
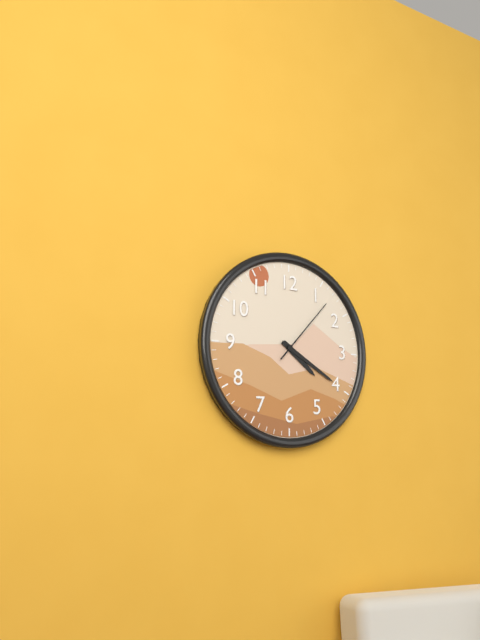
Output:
4.20.07
